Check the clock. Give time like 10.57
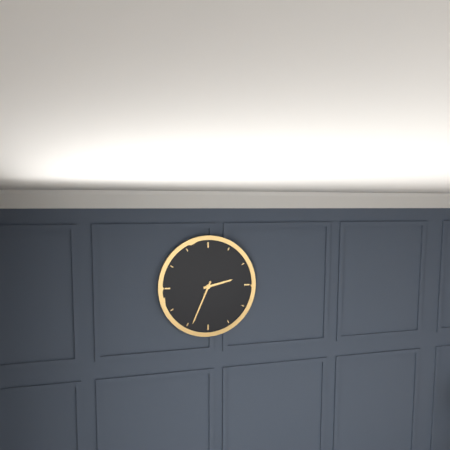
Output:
2.34
